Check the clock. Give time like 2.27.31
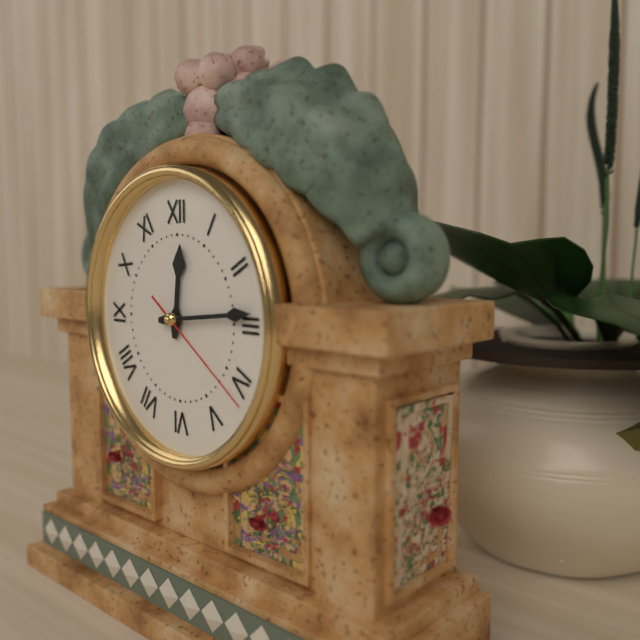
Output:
12.14.21
